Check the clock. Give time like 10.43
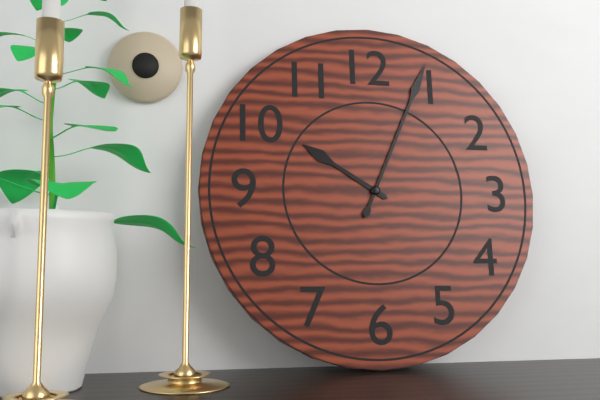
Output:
10.04
